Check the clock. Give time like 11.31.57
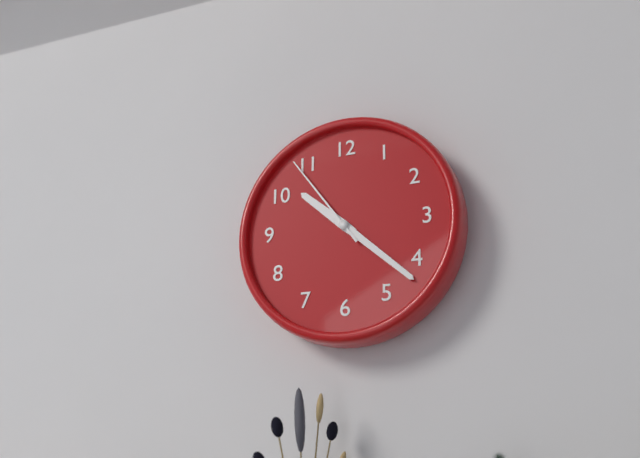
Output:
10.22.54
